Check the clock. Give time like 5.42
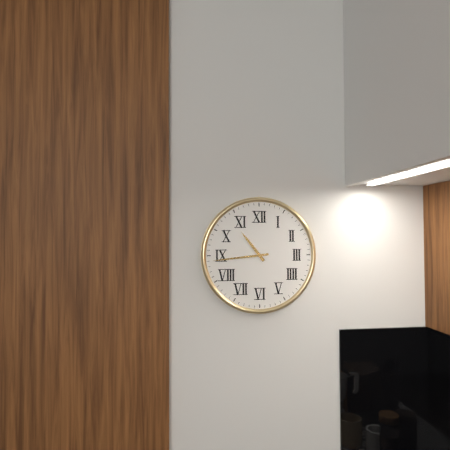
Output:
10.44
